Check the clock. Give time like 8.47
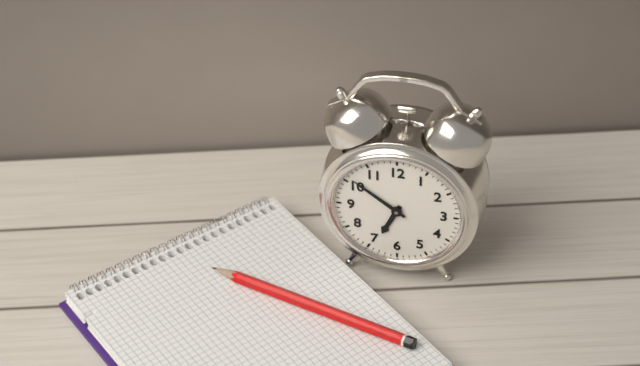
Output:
6.51
